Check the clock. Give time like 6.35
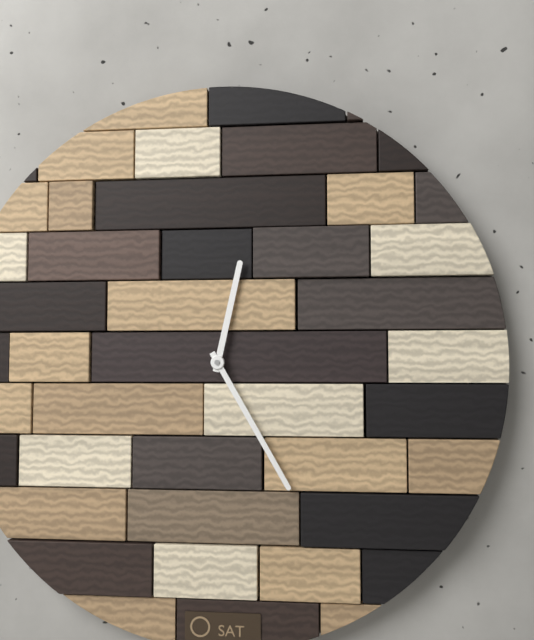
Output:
12.25
